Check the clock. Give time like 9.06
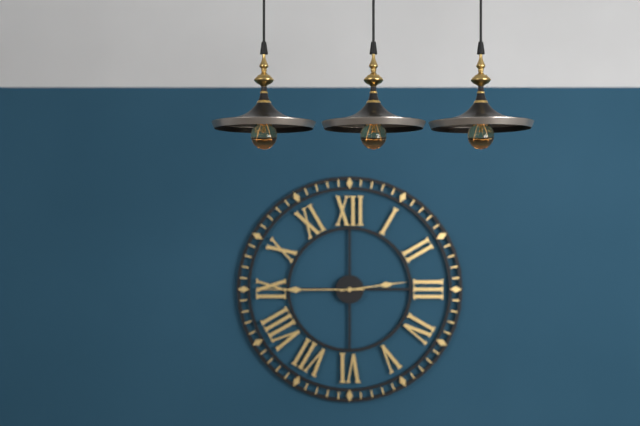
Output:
2.45
